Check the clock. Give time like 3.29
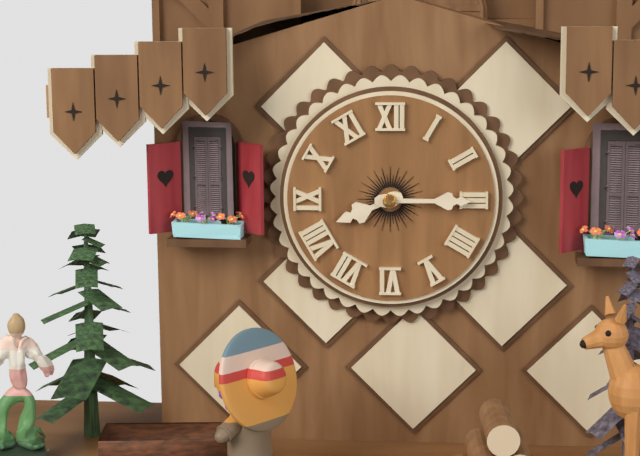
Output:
8.15
